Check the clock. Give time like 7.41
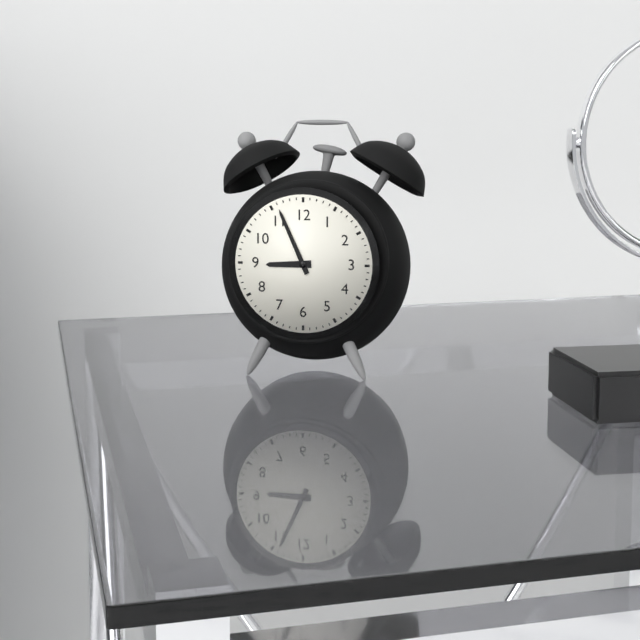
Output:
8.56
